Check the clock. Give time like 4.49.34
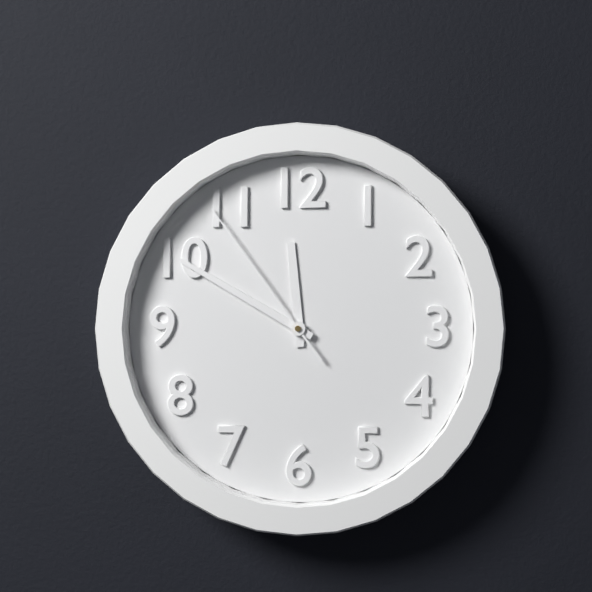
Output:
11.50.54
